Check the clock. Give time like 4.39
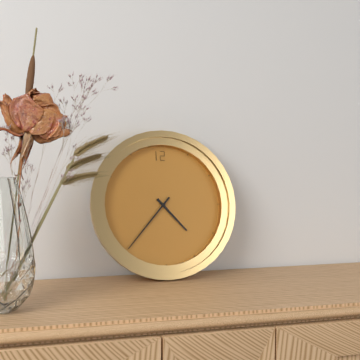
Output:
4.37
